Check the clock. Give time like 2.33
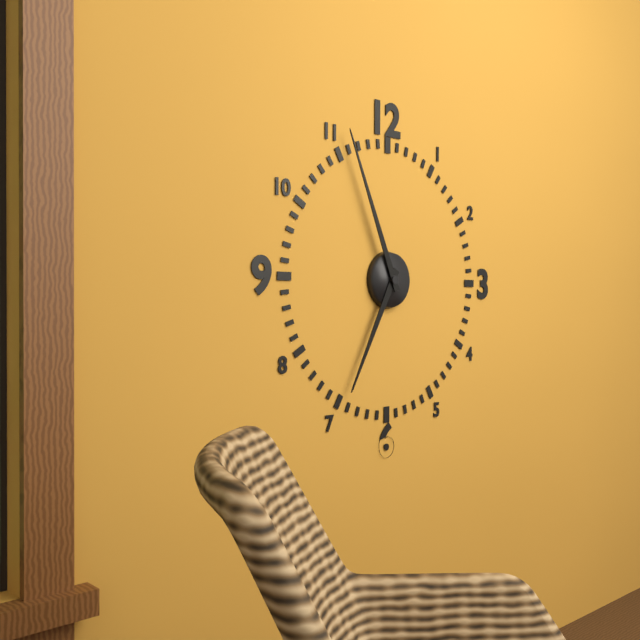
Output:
6.56
